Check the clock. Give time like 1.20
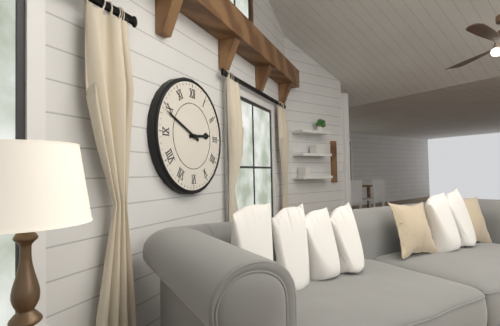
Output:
2.49
